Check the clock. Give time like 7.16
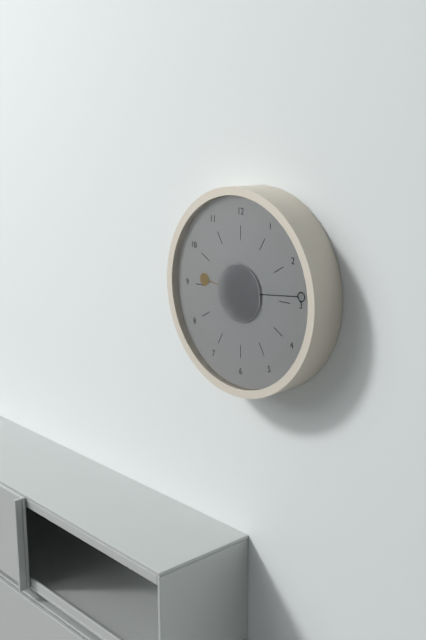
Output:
9.14
